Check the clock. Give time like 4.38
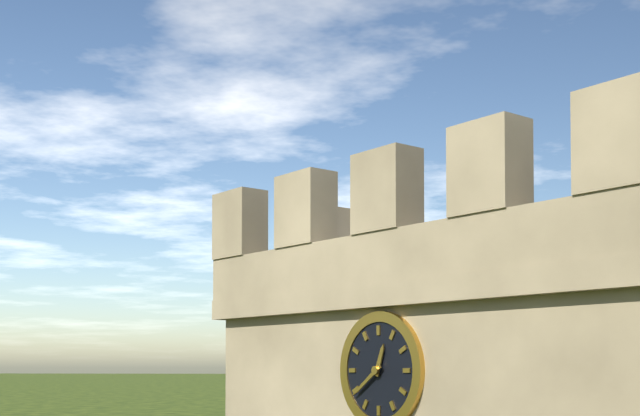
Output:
12.39
